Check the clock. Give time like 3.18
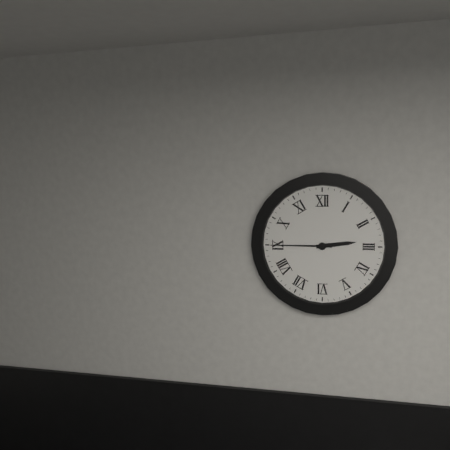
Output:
2.45
